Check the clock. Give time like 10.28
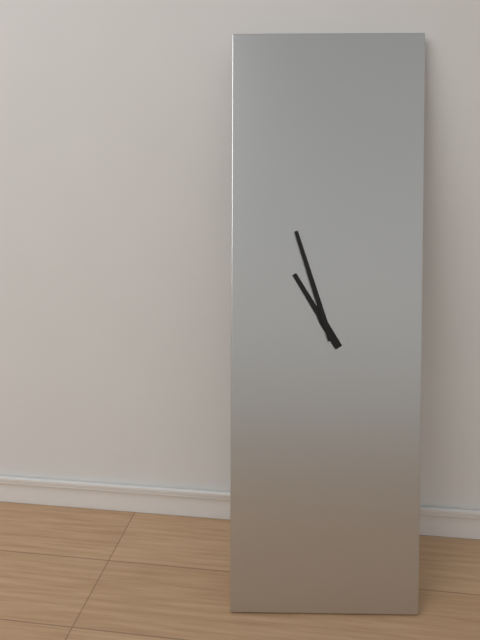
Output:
10.57
